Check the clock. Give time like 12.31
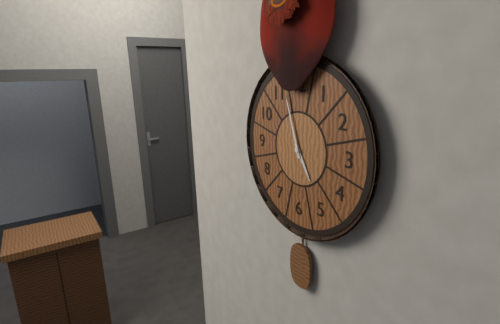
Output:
4.57
